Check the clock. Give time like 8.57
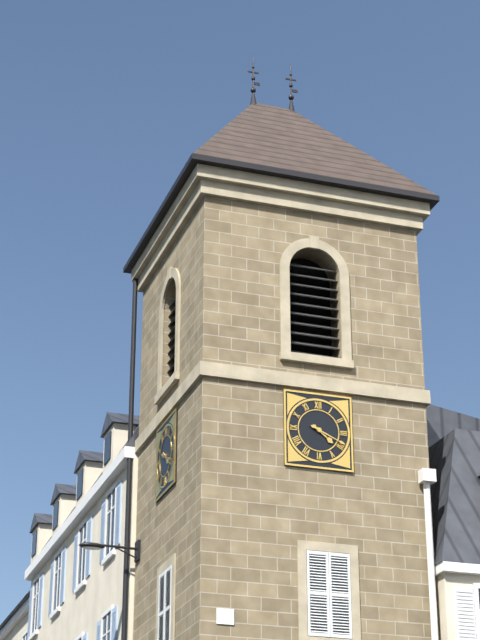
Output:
4.19
